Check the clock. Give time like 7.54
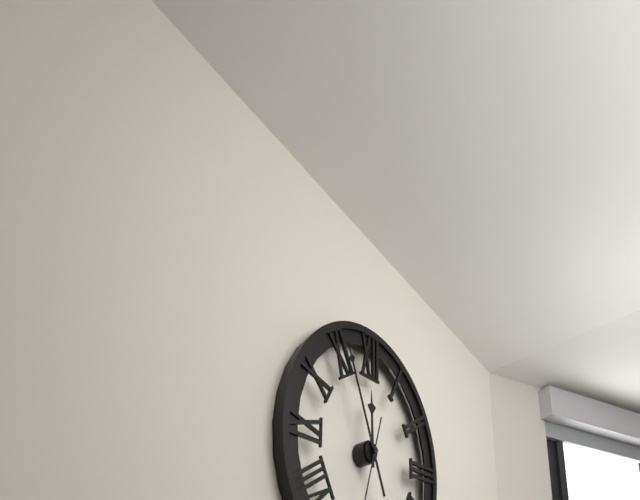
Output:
11.56
